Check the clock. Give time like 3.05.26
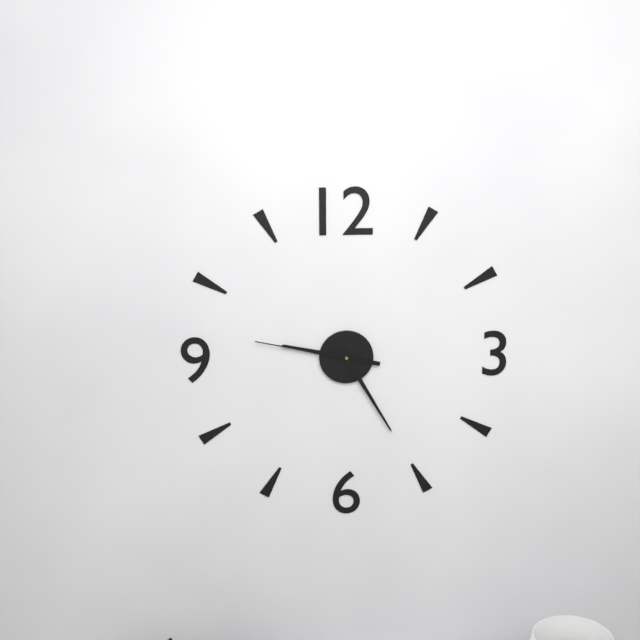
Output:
9.25.47
